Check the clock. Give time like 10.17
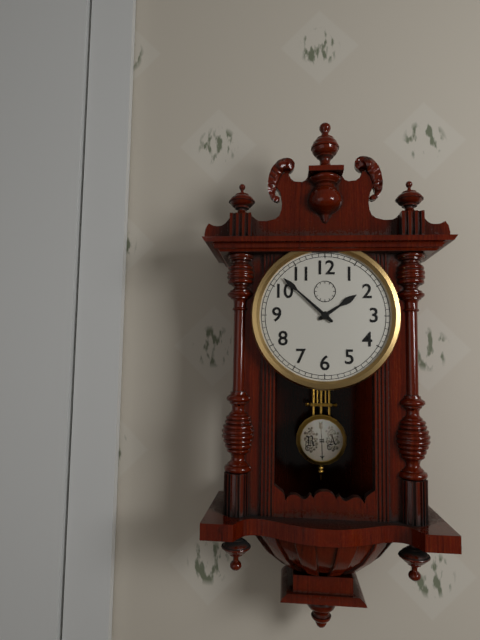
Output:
1.52
